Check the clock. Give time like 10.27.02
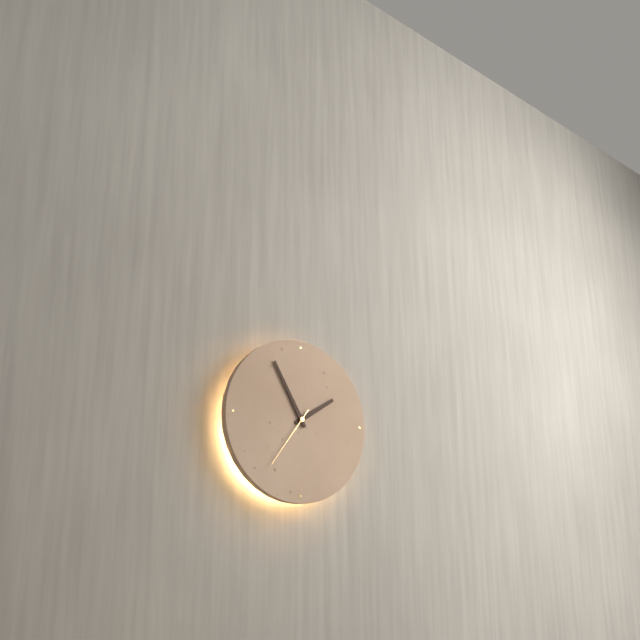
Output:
1.55.36
